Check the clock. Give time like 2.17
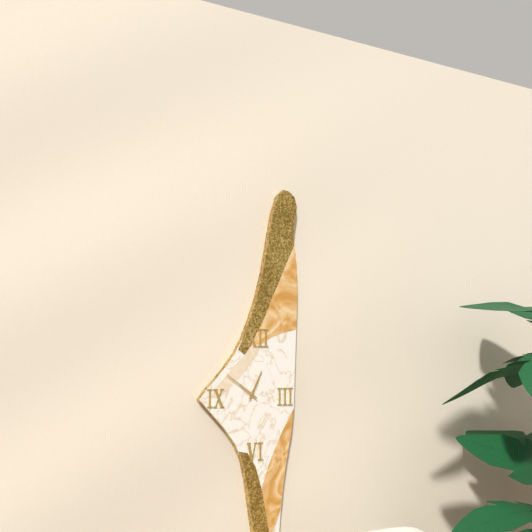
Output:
12.51
